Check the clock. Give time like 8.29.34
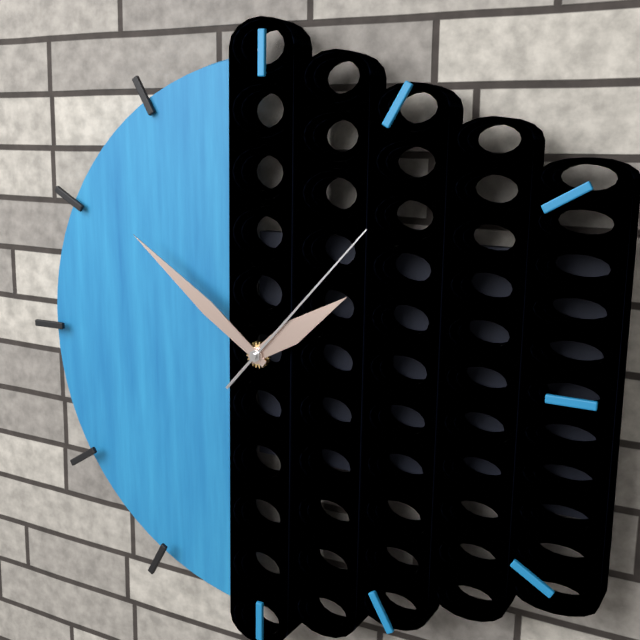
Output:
1.51.07
